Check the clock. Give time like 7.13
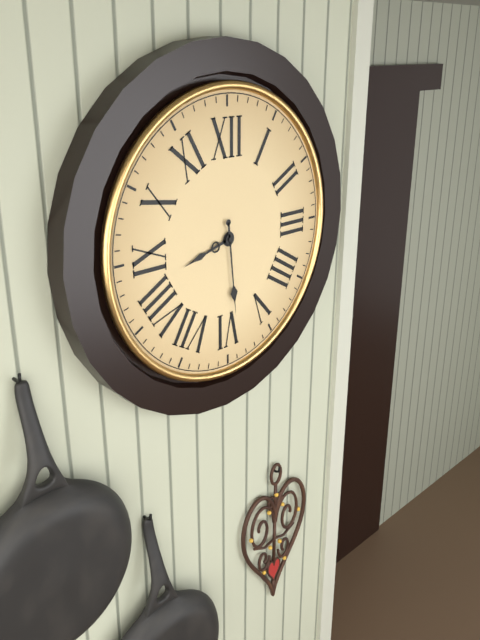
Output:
8.29
